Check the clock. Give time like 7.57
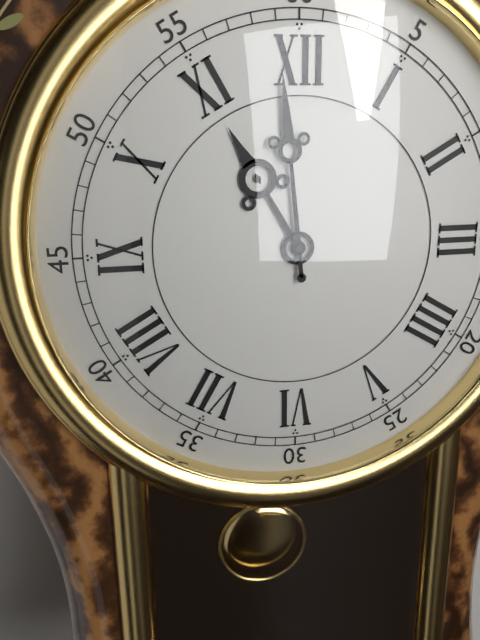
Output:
10.59
